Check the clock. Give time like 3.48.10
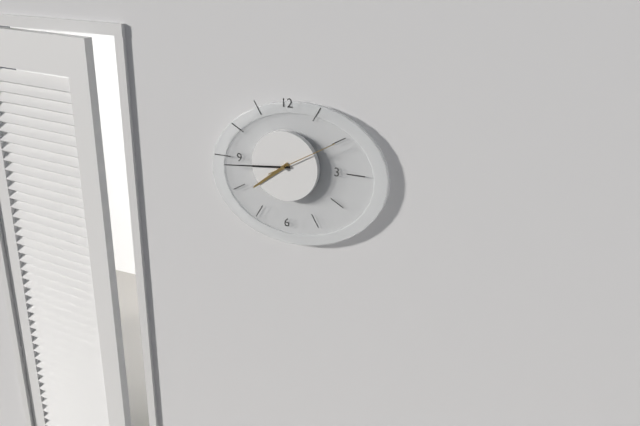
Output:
7.44.10
